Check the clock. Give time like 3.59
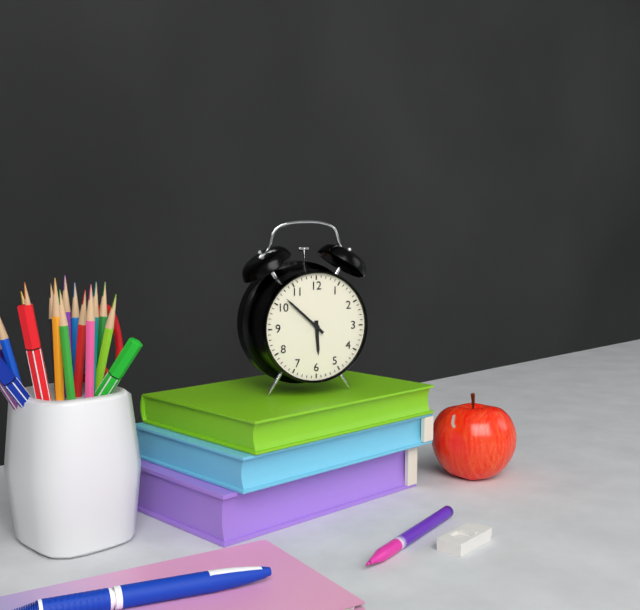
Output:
5.52
